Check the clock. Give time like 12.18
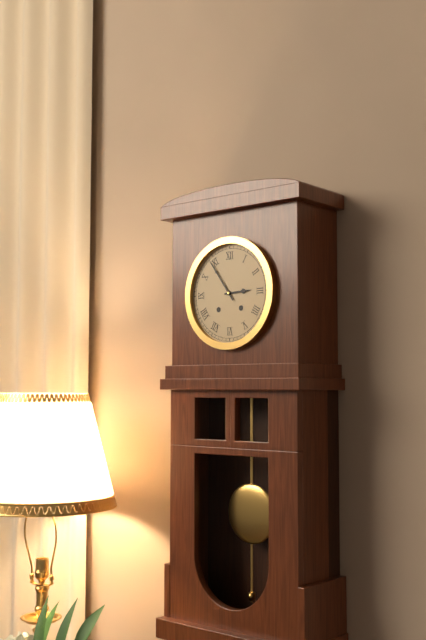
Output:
2.54
